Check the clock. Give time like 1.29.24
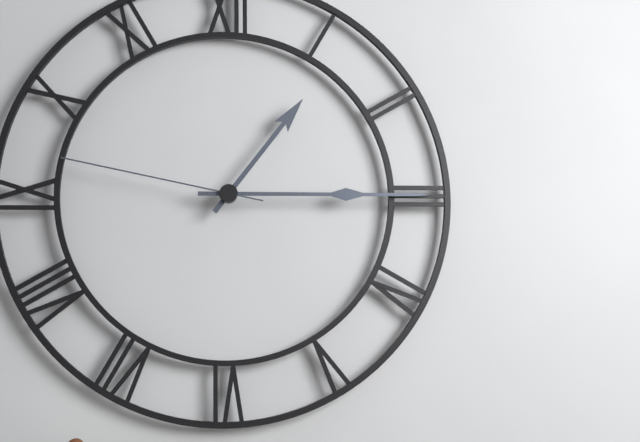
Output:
1.15.47
